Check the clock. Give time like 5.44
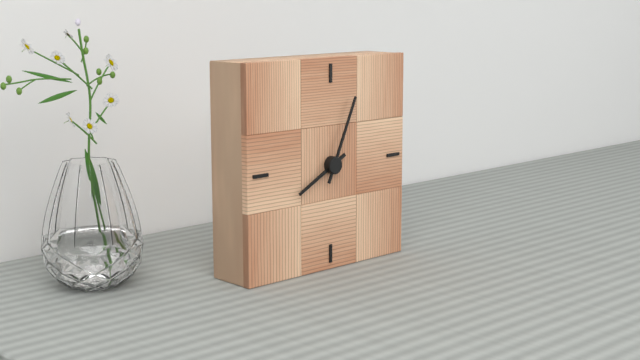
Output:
8.04
